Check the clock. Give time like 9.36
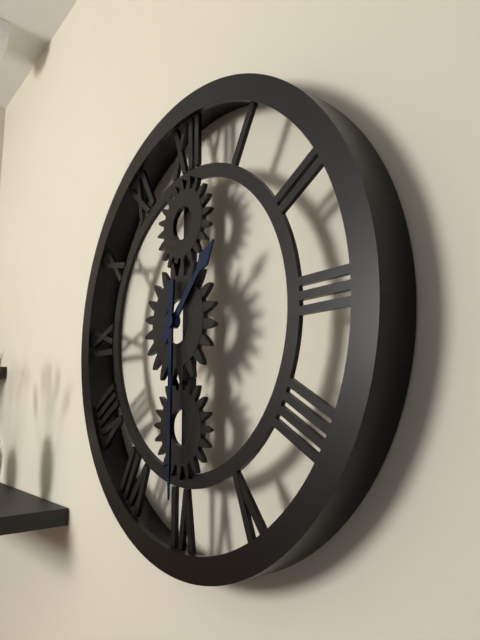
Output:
1.30
